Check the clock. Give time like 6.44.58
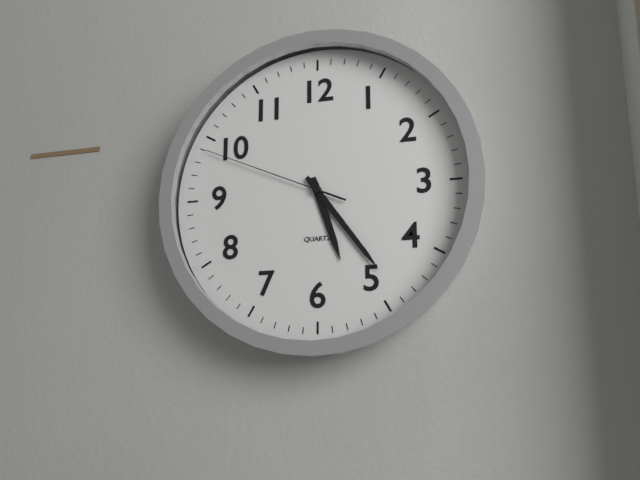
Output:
5.24.49
